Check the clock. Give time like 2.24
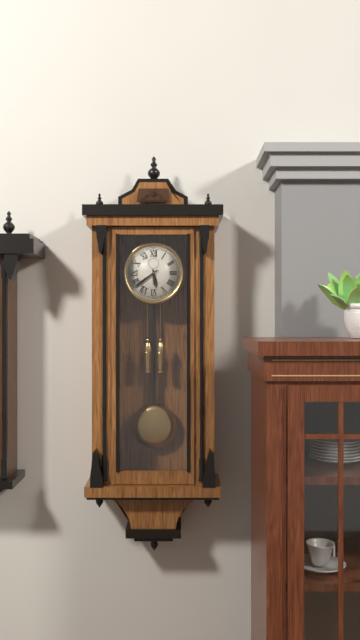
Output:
5.39
